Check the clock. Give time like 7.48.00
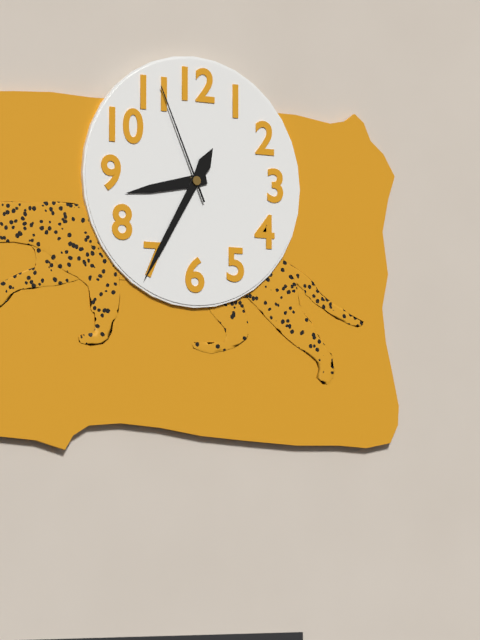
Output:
8.35.56
